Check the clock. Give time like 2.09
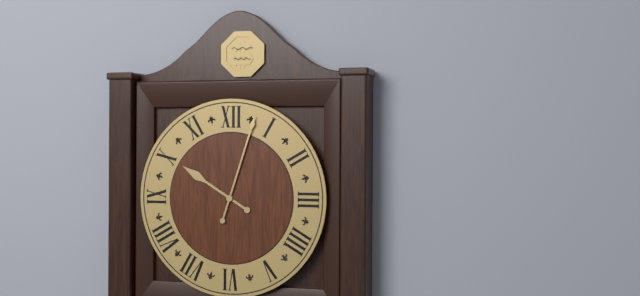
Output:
10.03
